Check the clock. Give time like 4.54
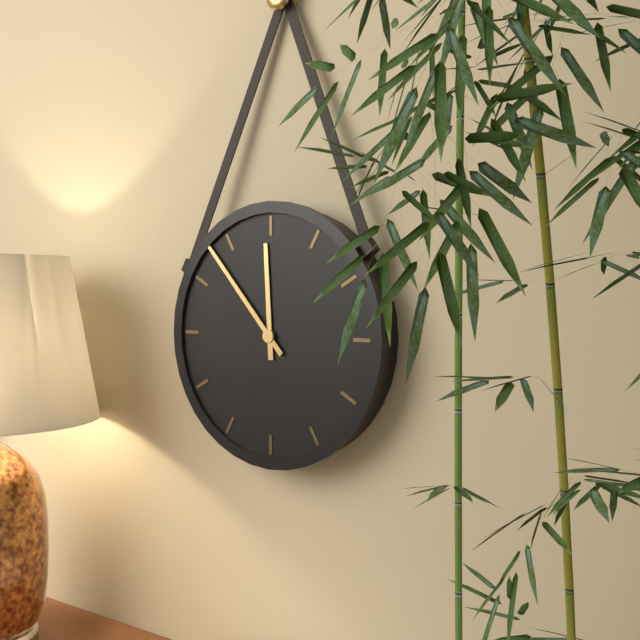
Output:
11.53
